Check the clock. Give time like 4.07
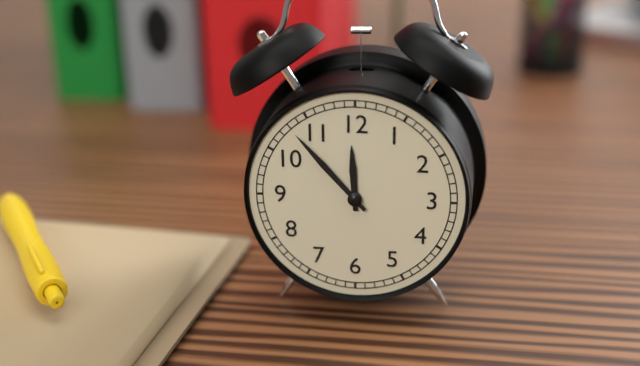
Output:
11.53
